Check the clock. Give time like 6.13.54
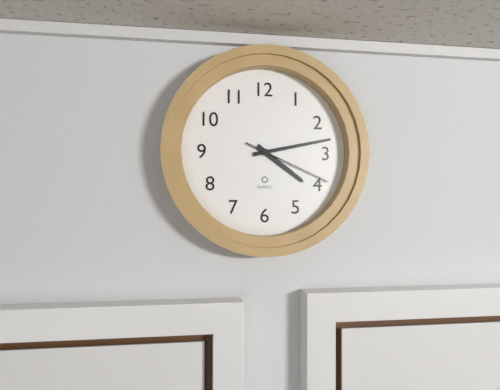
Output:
4.13.19
